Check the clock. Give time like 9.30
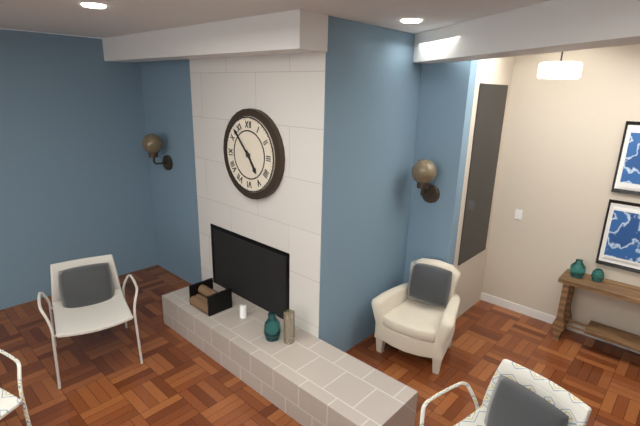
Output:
4.53
